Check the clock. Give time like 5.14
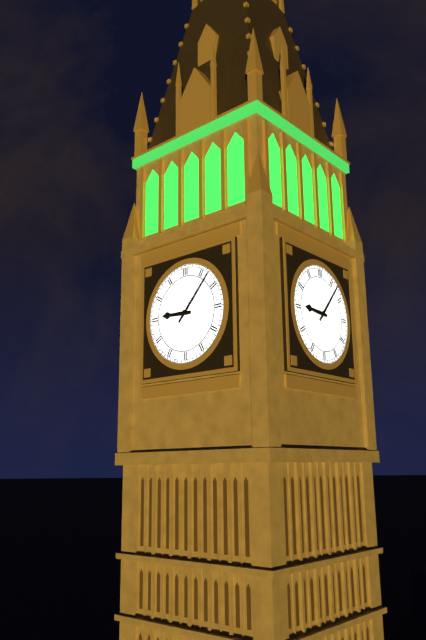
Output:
9.07
